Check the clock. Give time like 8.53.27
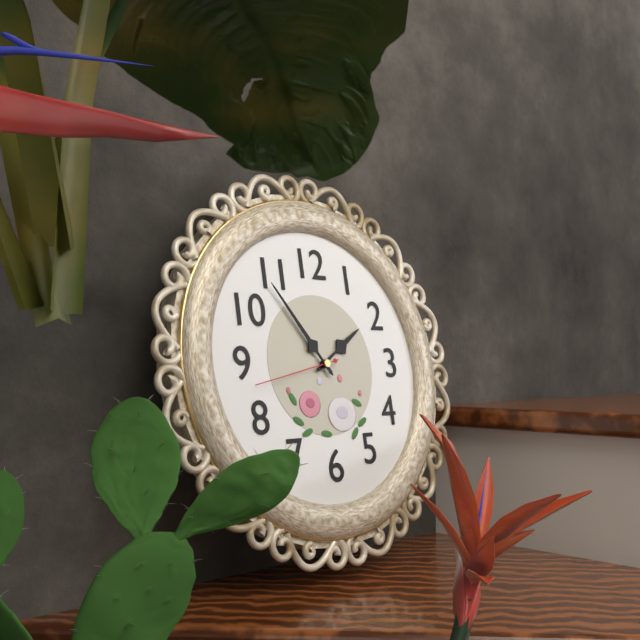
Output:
1.54.43
